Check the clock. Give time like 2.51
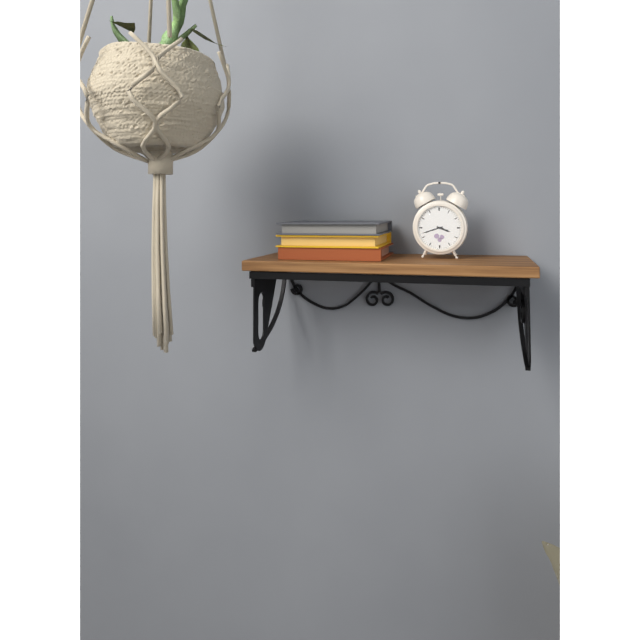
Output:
3.42
